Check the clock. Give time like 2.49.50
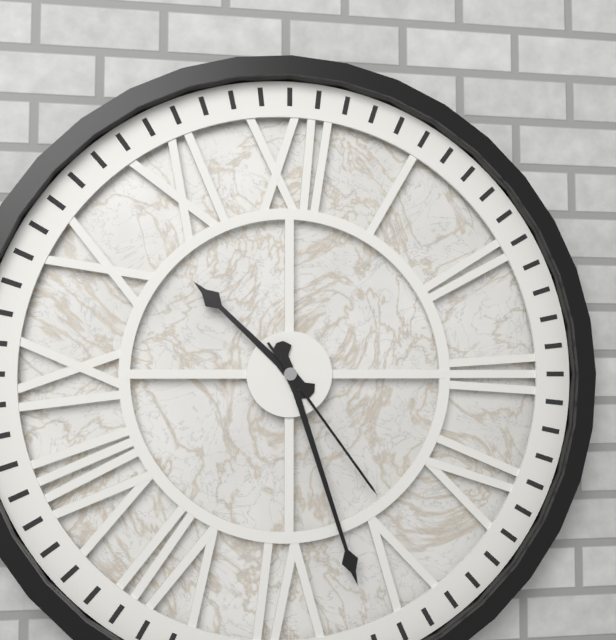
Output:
10.27.24
